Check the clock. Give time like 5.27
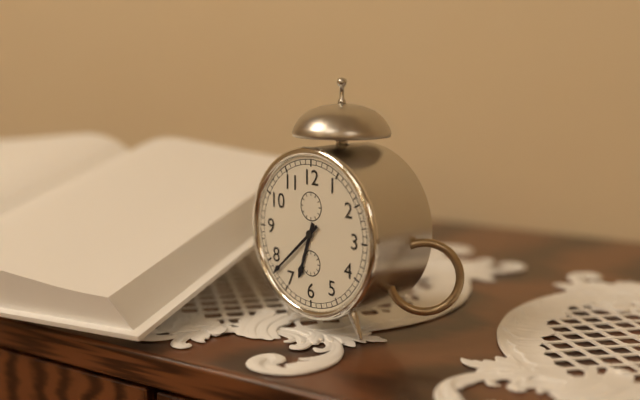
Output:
6.38
